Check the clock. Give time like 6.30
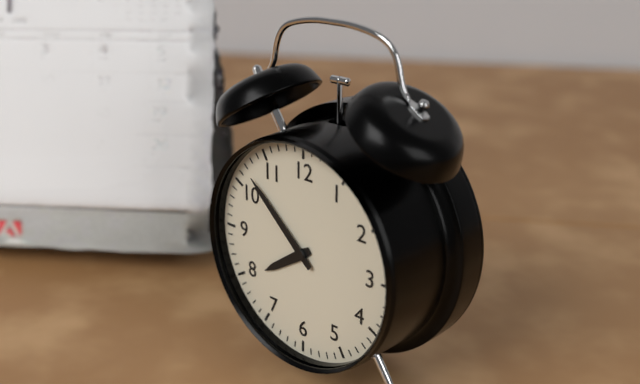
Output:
7.52
